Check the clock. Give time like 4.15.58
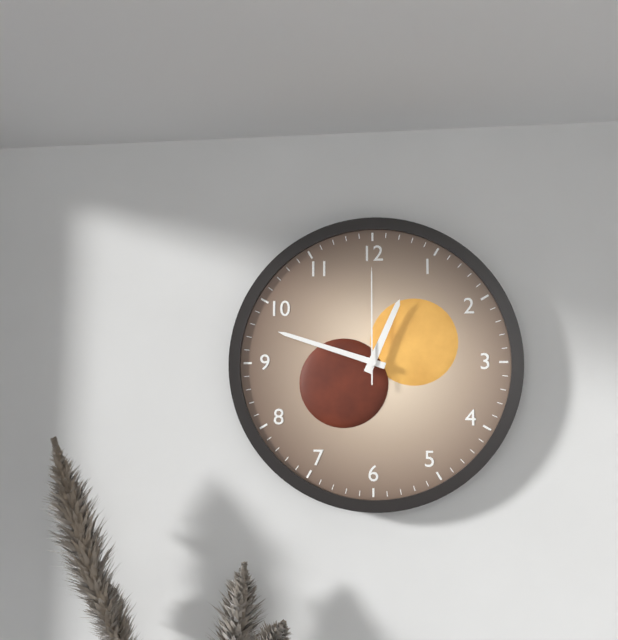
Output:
12.48.00
